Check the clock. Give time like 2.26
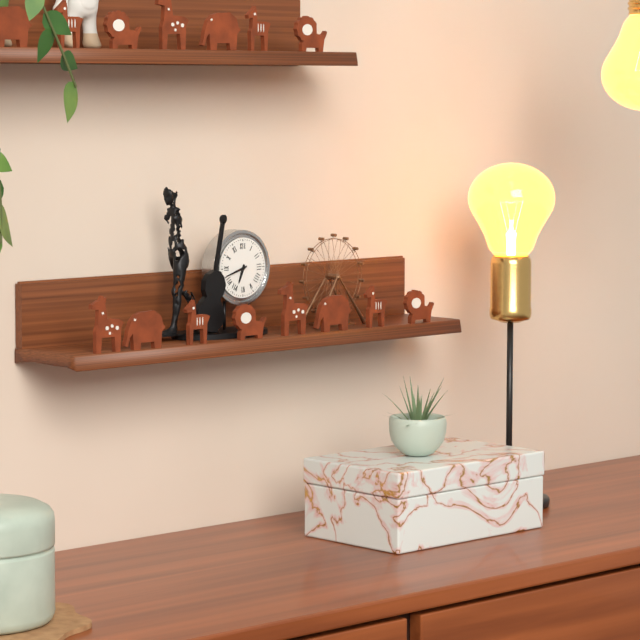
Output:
6.42
